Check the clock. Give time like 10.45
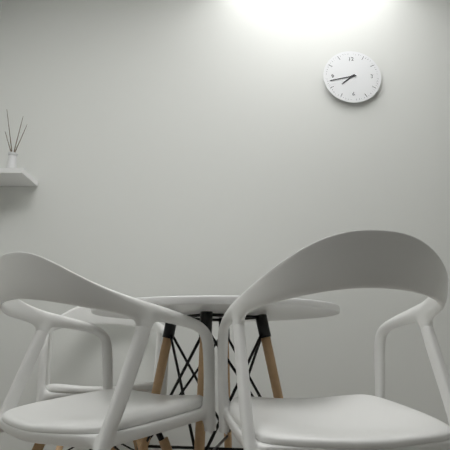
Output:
7.43
